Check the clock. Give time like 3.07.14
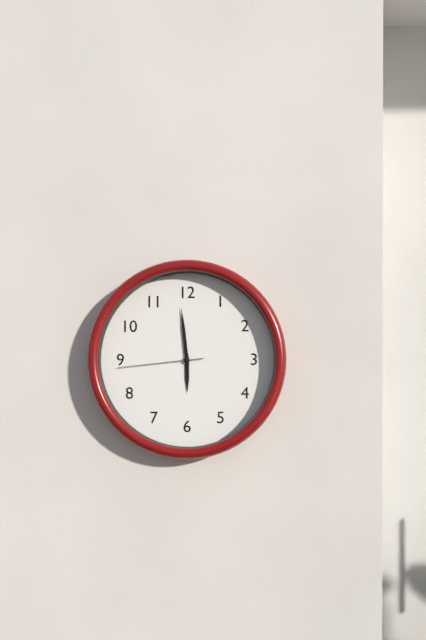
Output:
5.59.44
